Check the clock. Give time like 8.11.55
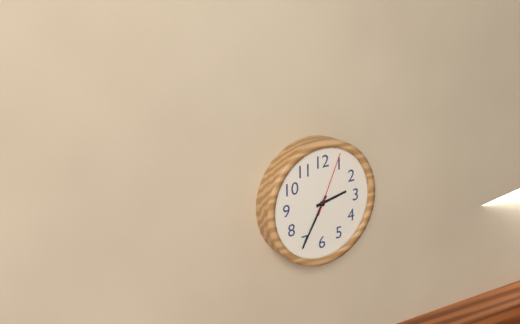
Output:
2.35.04
